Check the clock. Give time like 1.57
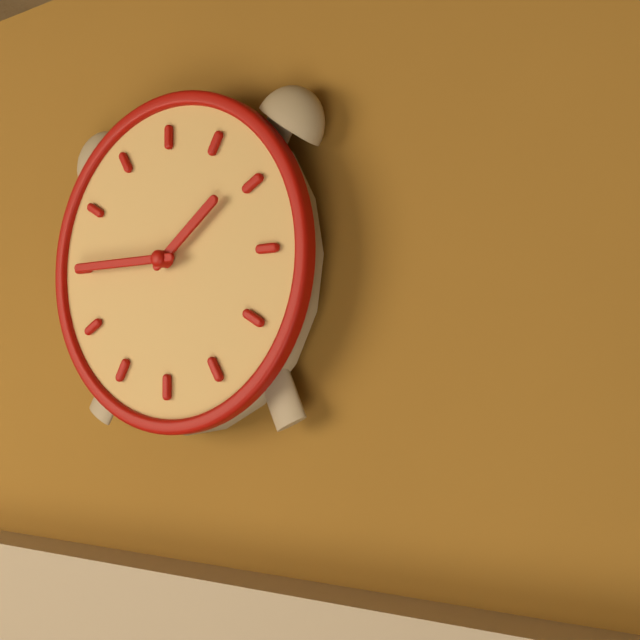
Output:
1.45
